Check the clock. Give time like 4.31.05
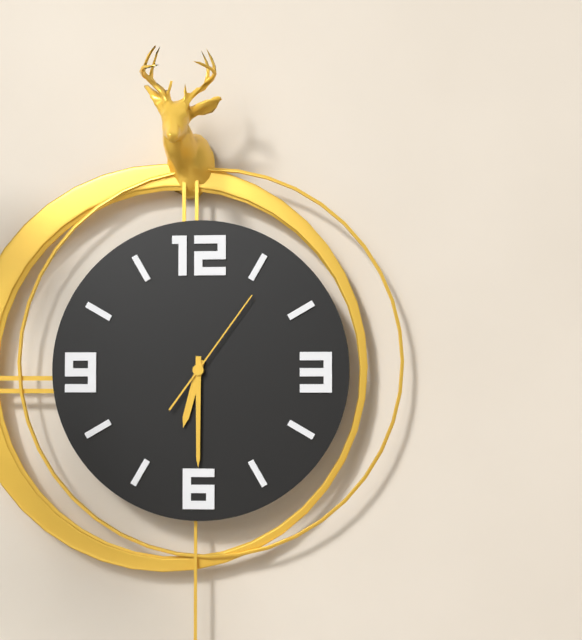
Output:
6.30.06
